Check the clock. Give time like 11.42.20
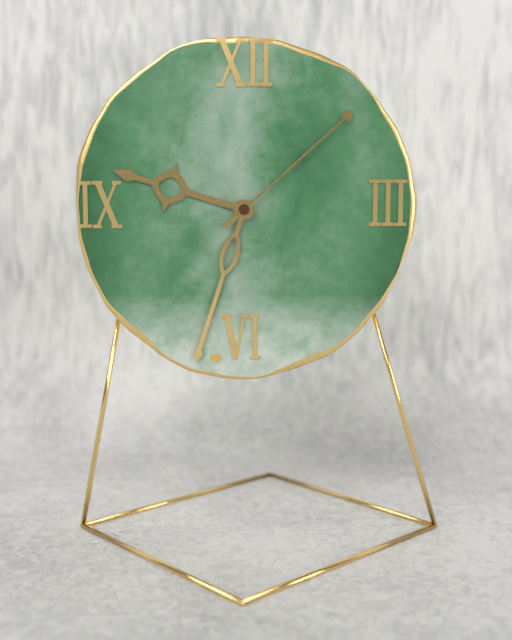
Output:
9.33.08
